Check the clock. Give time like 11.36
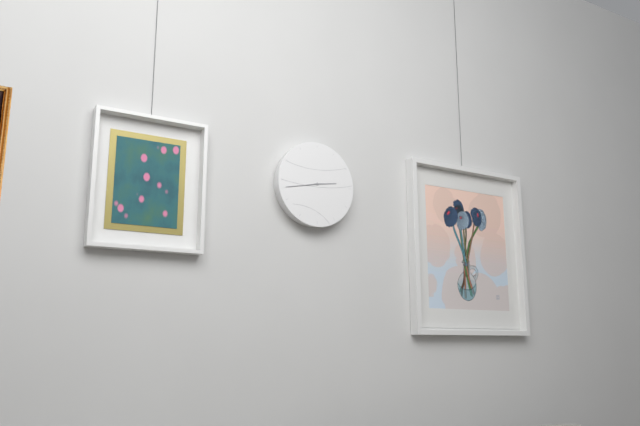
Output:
2.43
